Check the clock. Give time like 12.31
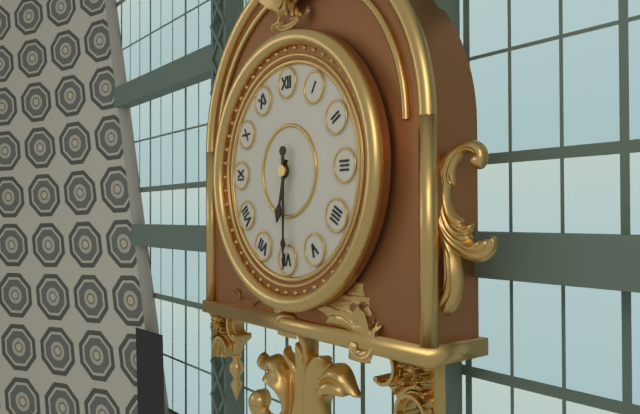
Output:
6.30
